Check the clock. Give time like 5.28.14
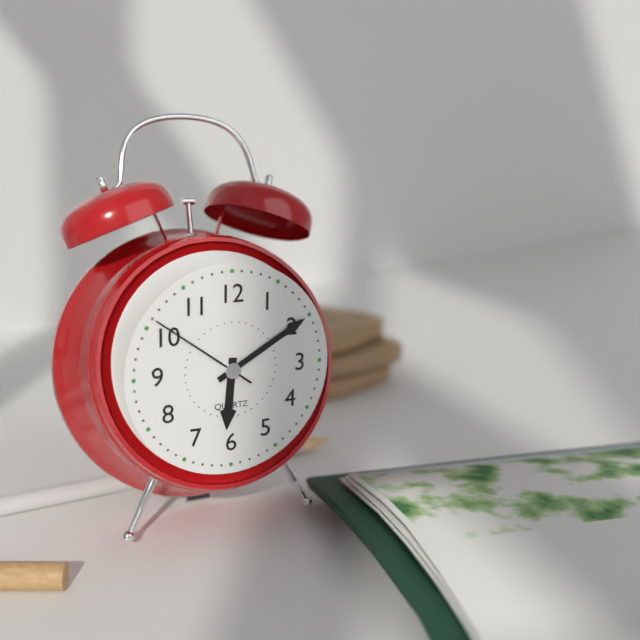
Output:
6.10.51
